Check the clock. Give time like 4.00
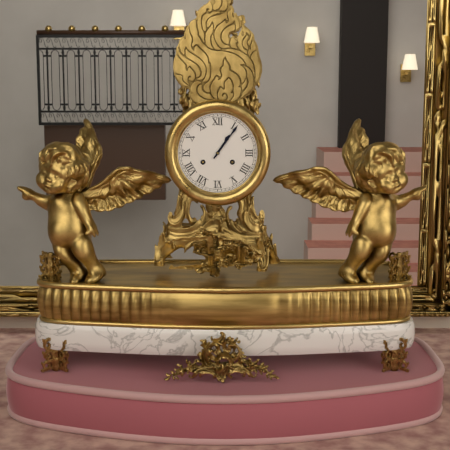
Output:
1.06
